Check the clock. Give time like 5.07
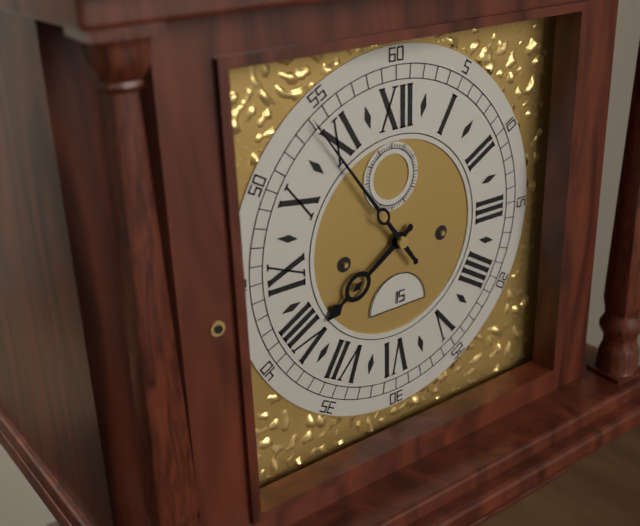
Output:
7.54
